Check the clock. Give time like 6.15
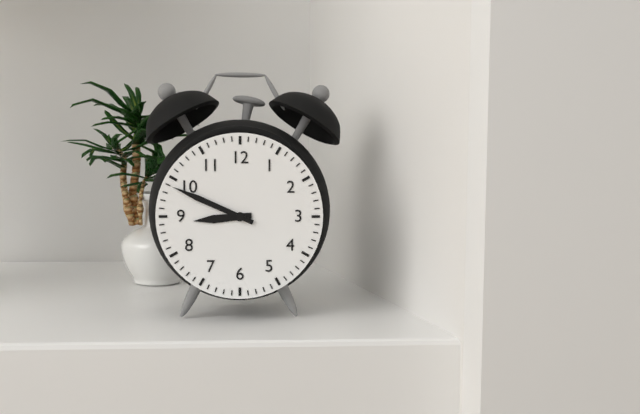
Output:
8.49
